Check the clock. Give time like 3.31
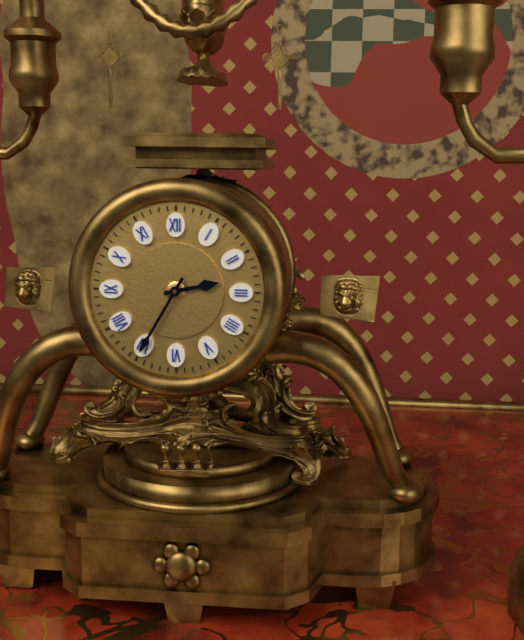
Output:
2.35
